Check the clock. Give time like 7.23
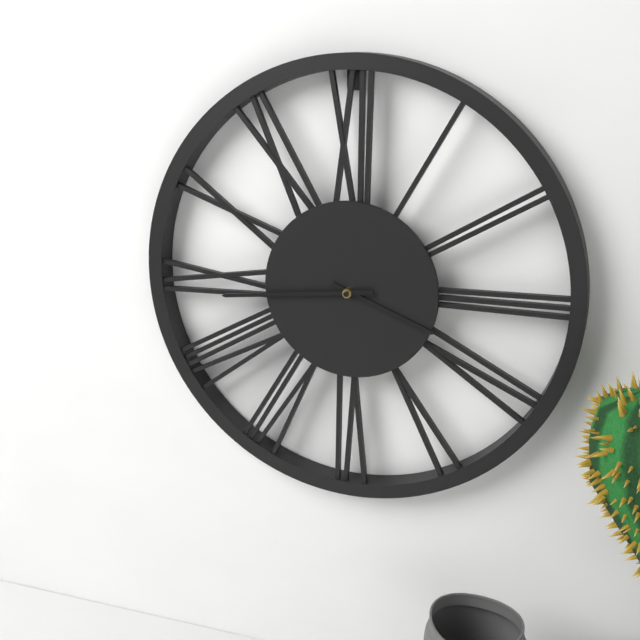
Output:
3.44
